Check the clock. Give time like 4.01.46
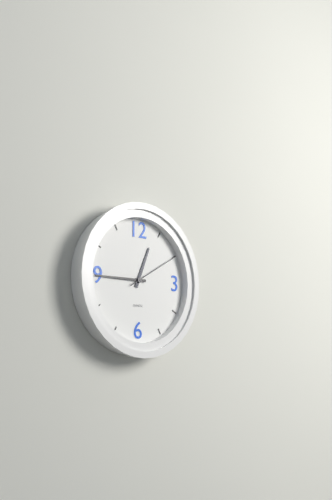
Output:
12.45.10
